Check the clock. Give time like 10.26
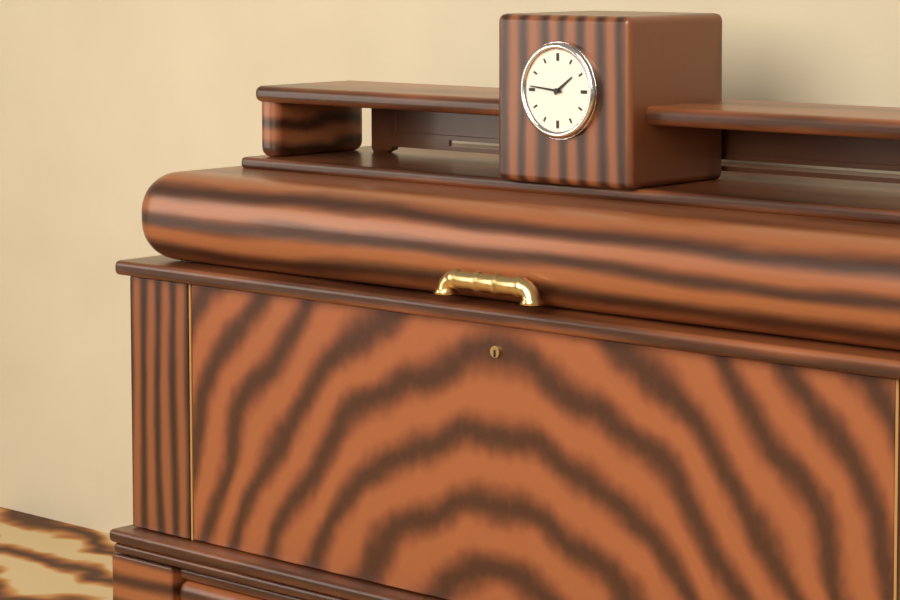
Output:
1.46
